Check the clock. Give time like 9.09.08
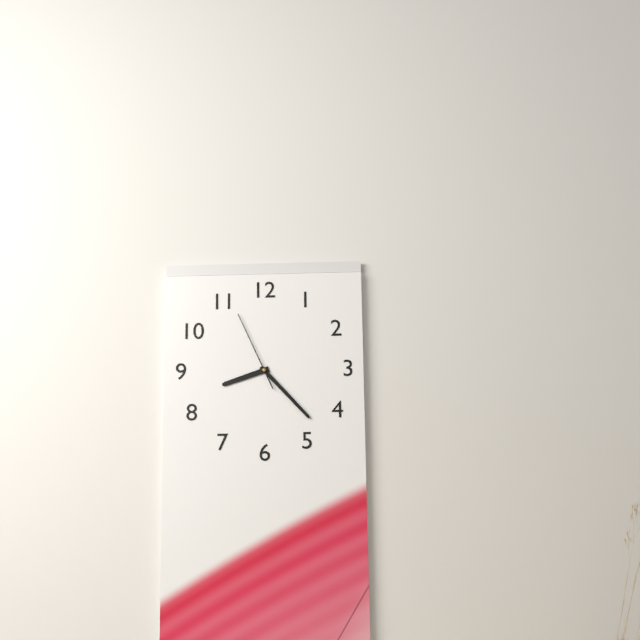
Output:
8.23.56
